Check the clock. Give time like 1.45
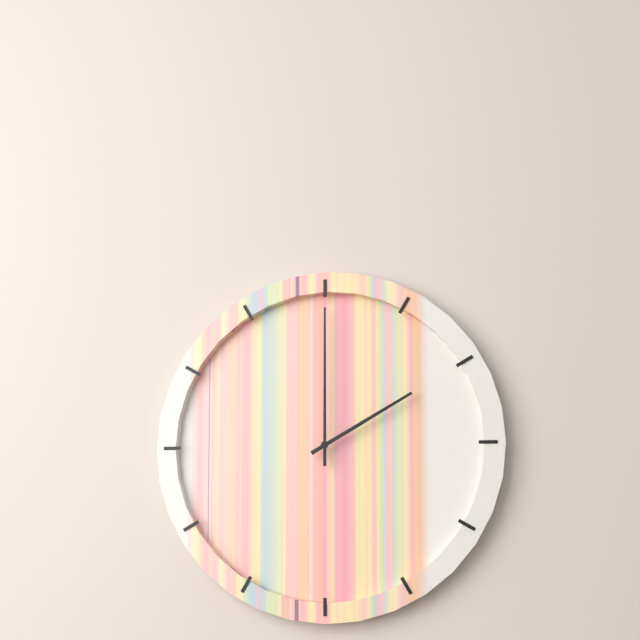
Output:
2.00
